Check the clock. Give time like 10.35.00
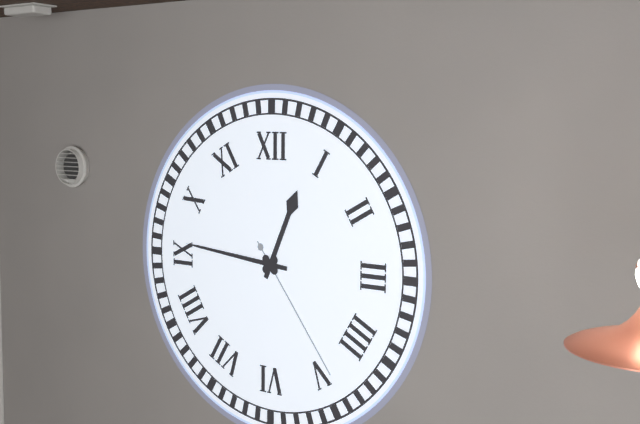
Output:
12.46.24
